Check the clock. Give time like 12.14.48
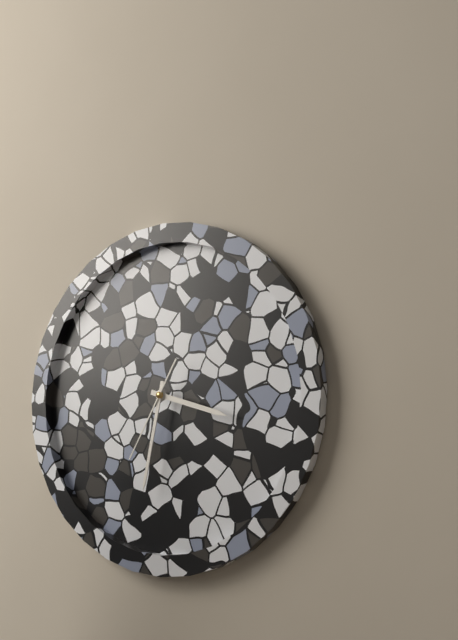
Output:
3.32.35
